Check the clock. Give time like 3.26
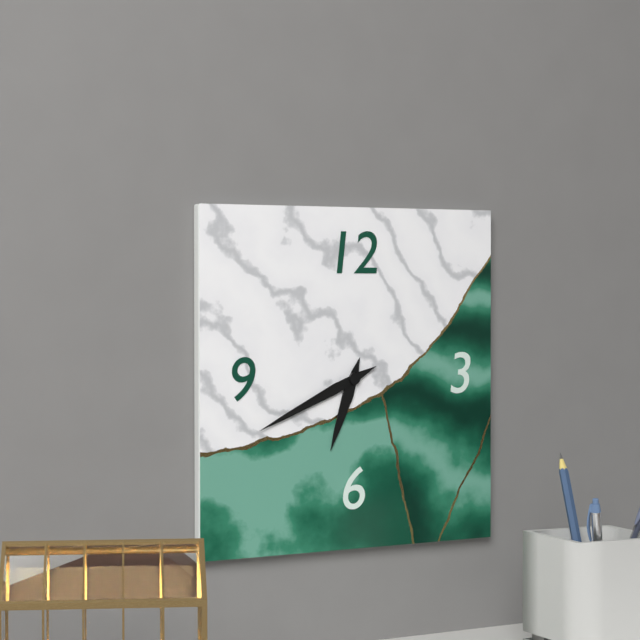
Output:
6.41
